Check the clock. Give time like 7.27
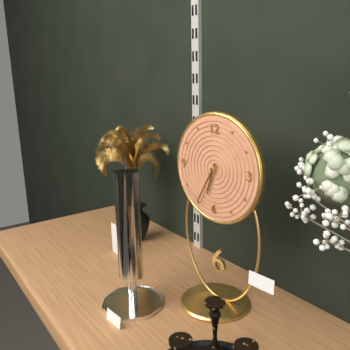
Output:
6.35
